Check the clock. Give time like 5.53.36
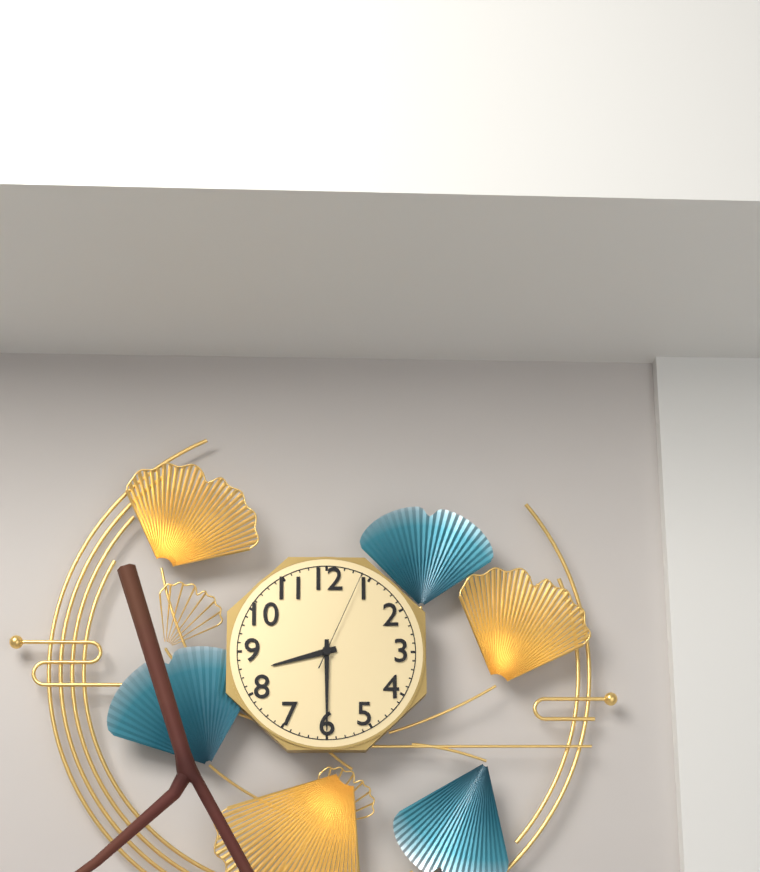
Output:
8.30.04
